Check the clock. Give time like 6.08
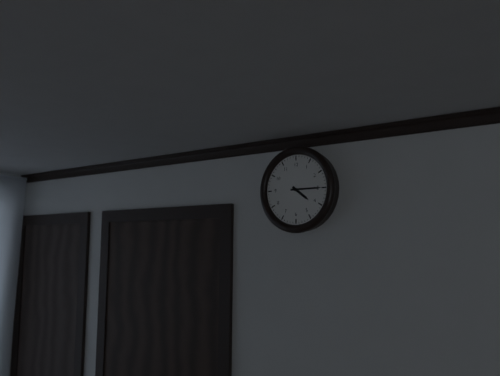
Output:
4.15
